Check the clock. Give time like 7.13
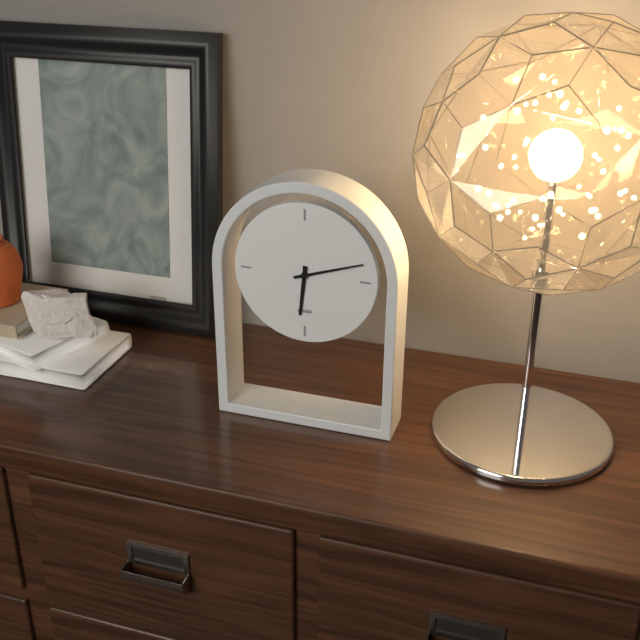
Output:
6.12
